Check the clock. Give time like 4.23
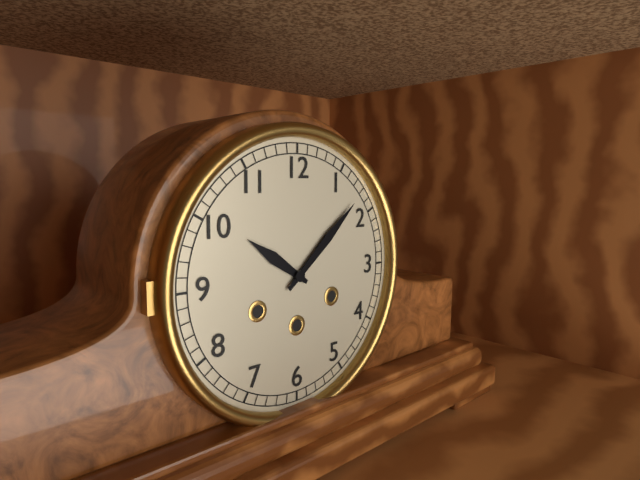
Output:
10.08
